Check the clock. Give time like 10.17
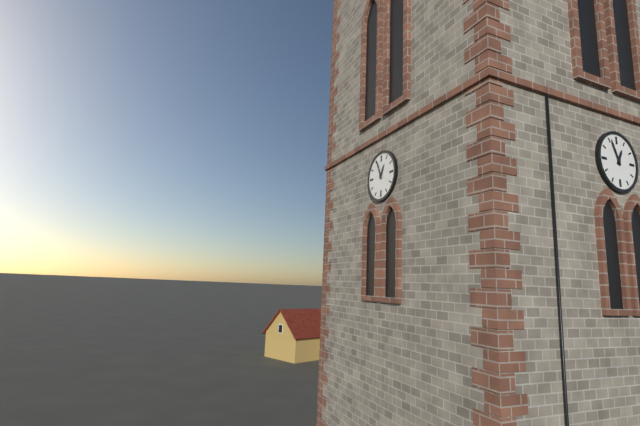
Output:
12.56
